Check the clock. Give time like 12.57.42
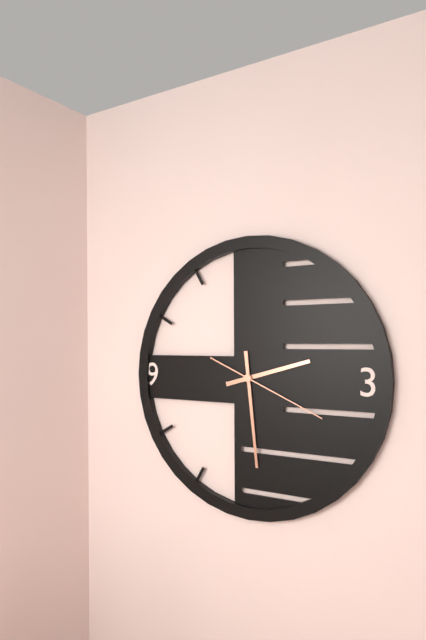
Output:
2.29.19
